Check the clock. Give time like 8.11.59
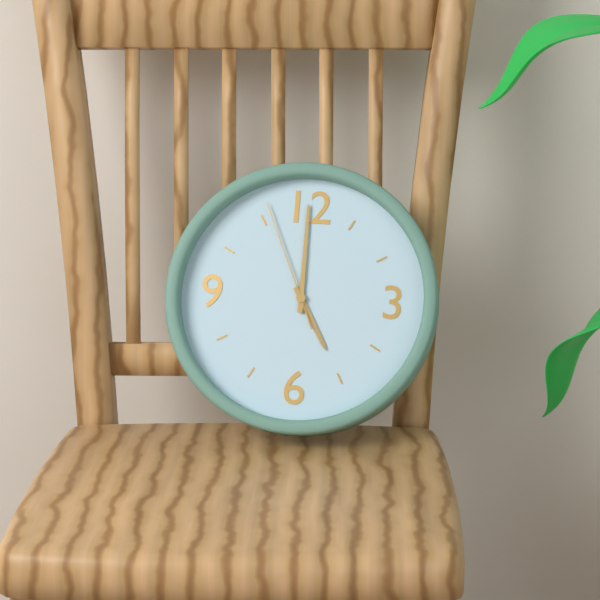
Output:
5.00.56
